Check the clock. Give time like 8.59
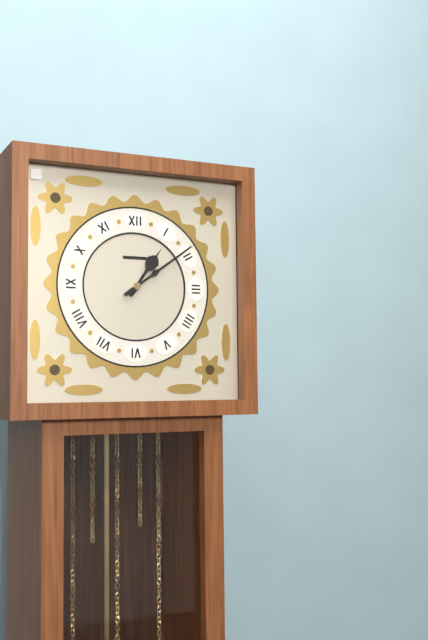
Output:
1.09
